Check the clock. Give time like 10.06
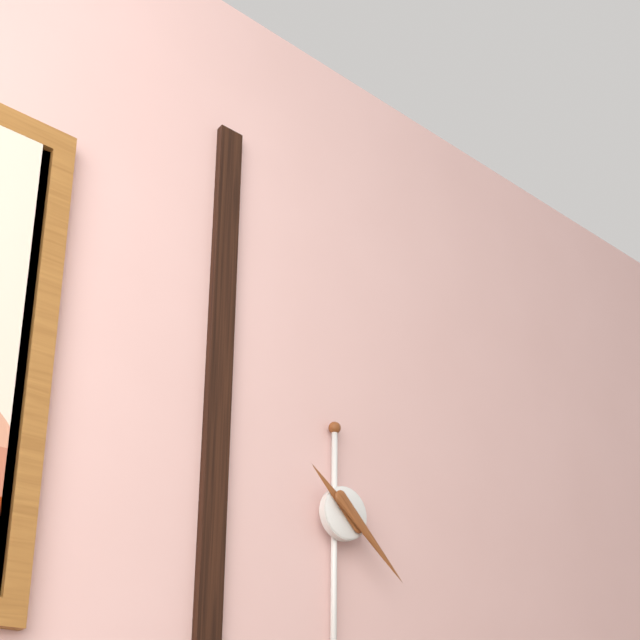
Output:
10.22
